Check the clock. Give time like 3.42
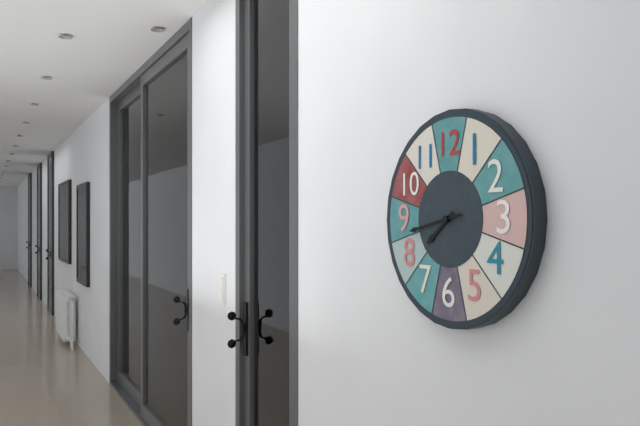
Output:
7.43
